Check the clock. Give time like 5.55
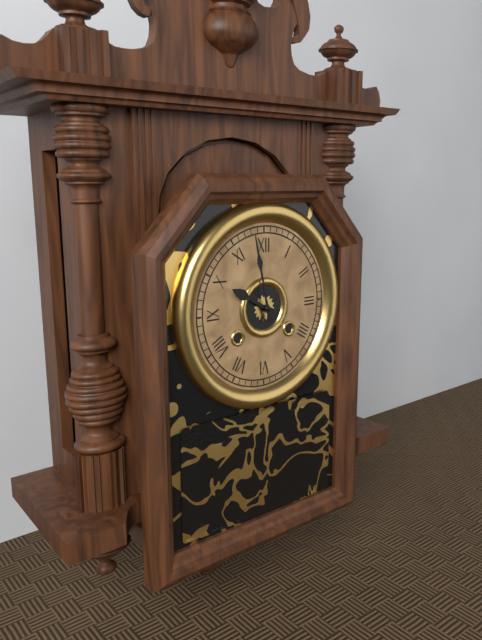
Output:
9.58
